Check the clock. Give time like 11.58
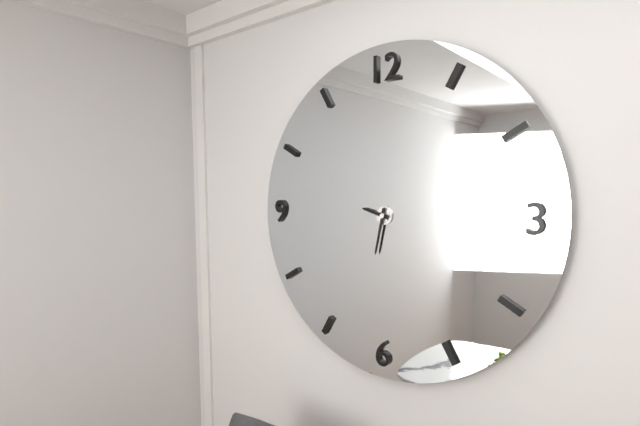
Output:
9.32
